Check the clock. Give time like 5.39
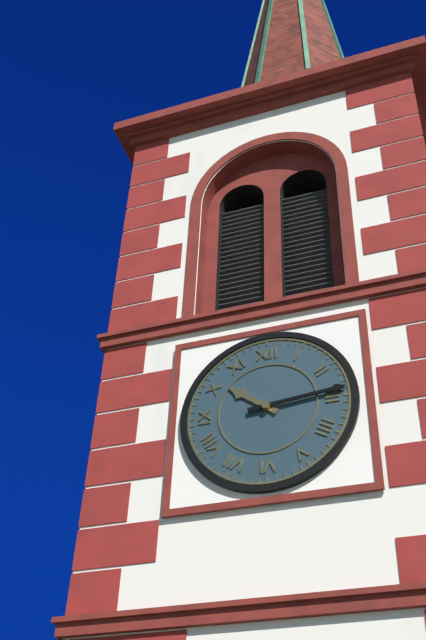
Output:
10.14
